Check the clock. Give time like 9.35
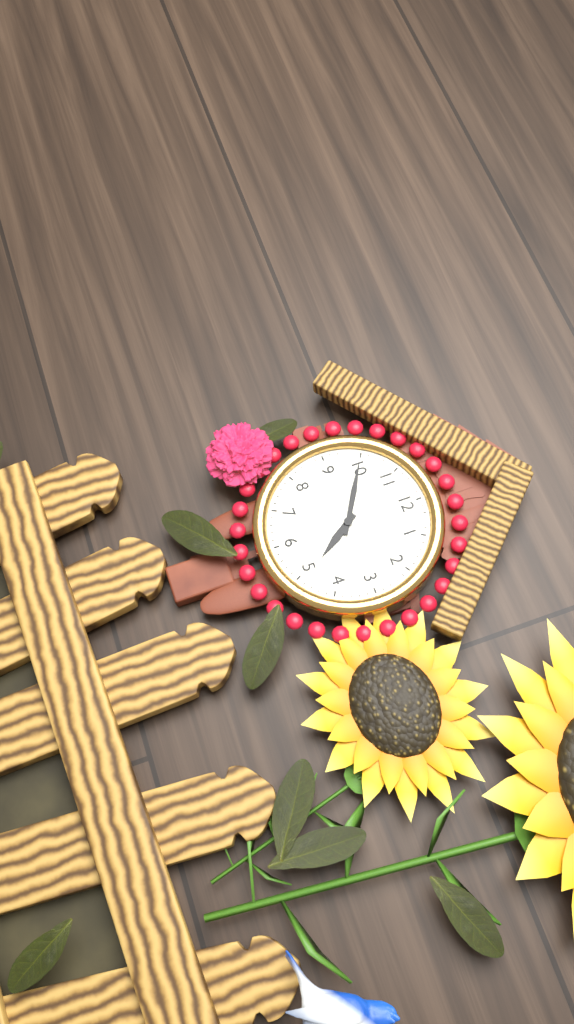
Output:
4.50
